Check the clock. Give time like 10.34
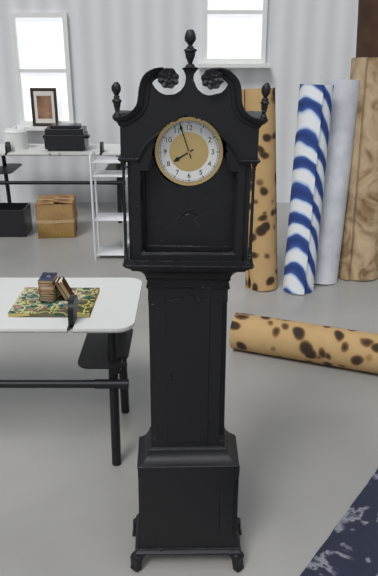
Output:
7.57
